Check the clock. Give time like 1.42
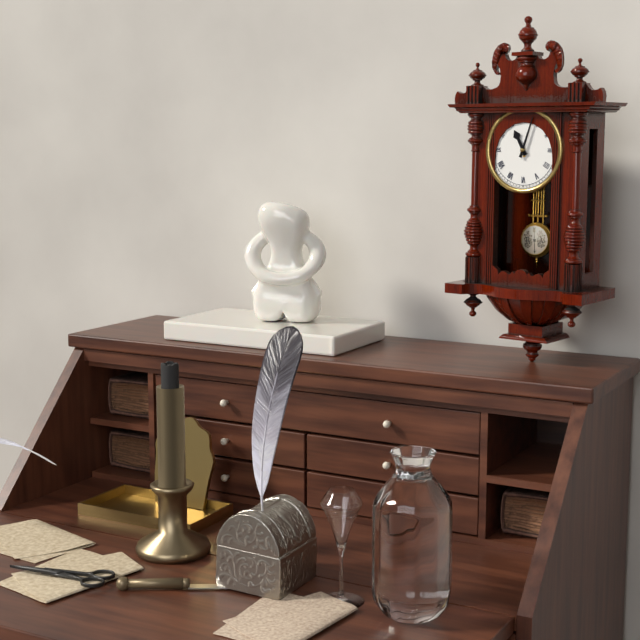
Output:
11.03
